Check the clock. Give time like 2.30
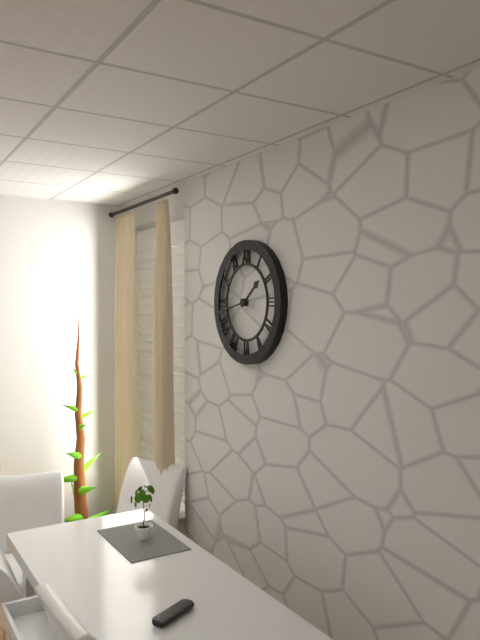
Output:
1.43
